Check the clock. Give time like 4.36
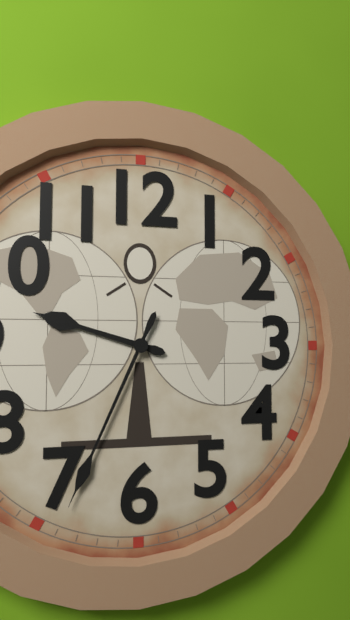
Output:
9.34
